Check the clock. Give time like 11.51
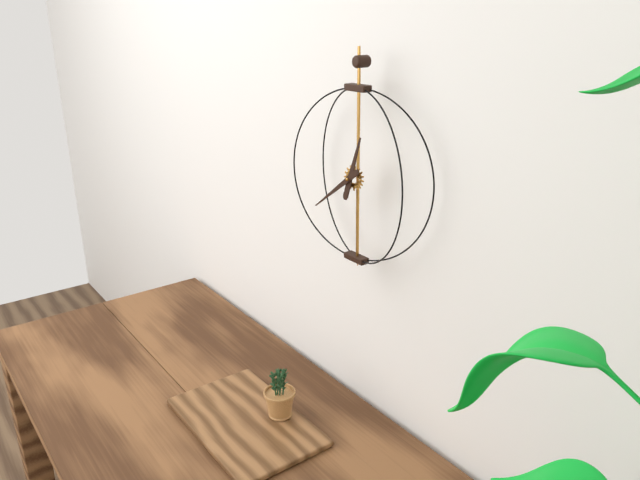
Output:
12.39
